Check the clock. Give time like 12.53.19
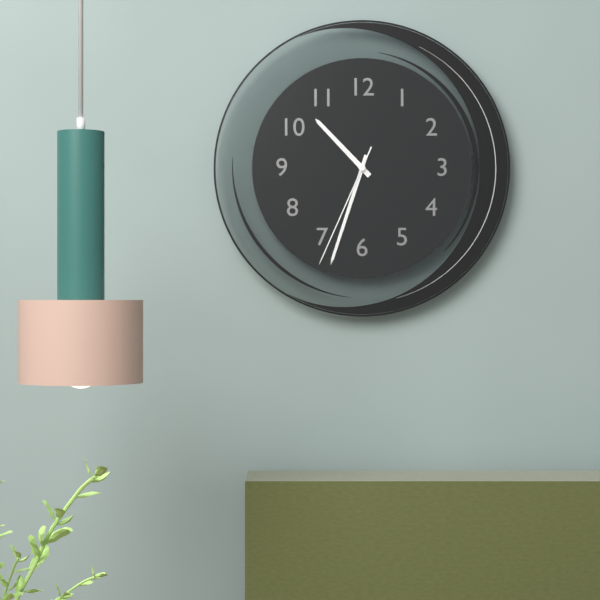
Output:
10.33.34
